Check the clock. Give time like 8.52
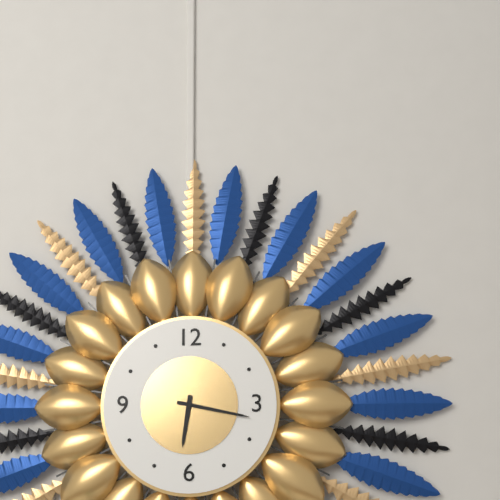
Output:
6.17
